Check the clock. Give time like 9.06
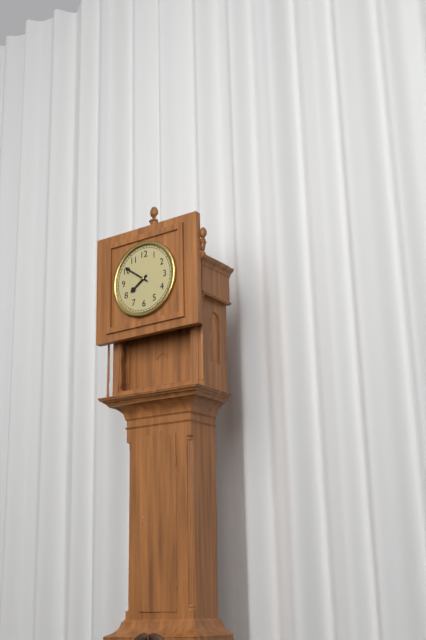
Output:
7.51
